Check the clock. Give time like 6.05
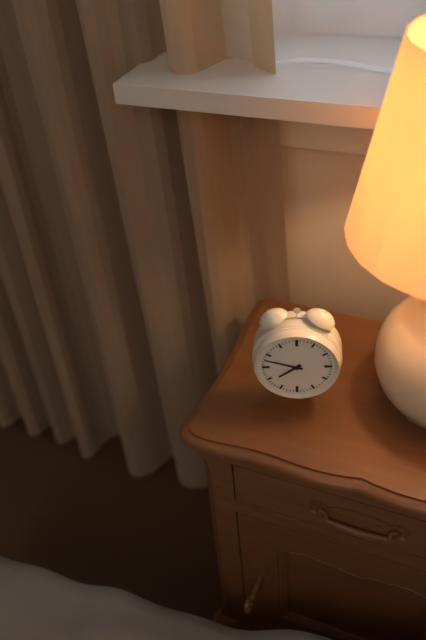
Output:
7.48
